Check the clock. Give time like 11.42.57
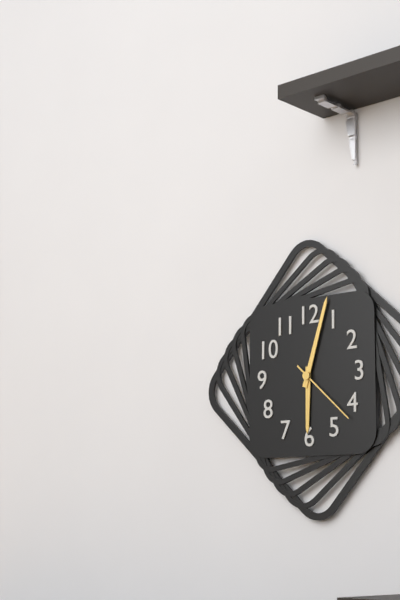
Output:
6.03.22
